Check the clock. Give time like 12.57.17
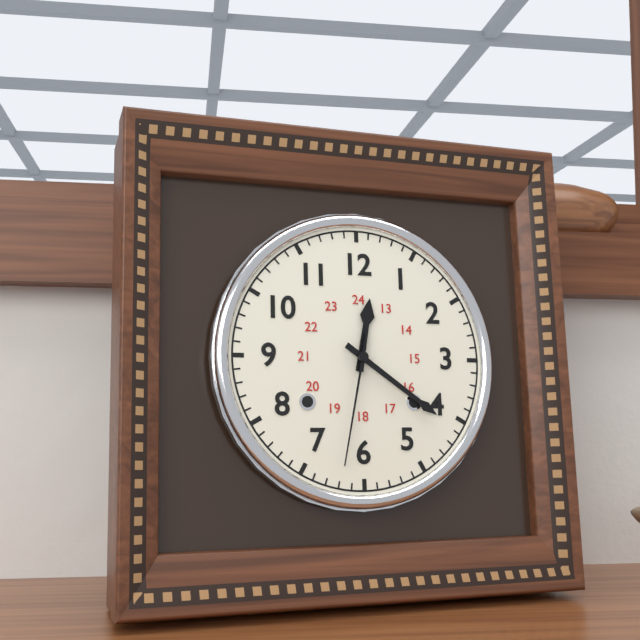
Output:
12.21.32
